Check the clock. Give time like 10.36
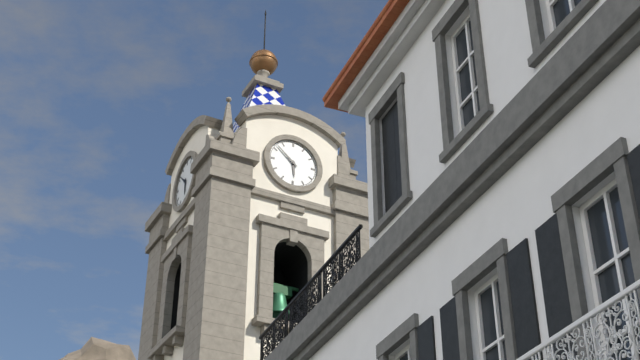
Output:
5.52
